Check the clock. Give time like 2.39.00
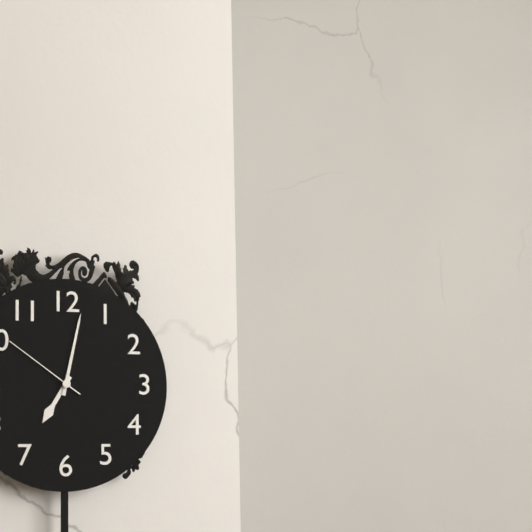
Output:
7.02.51
